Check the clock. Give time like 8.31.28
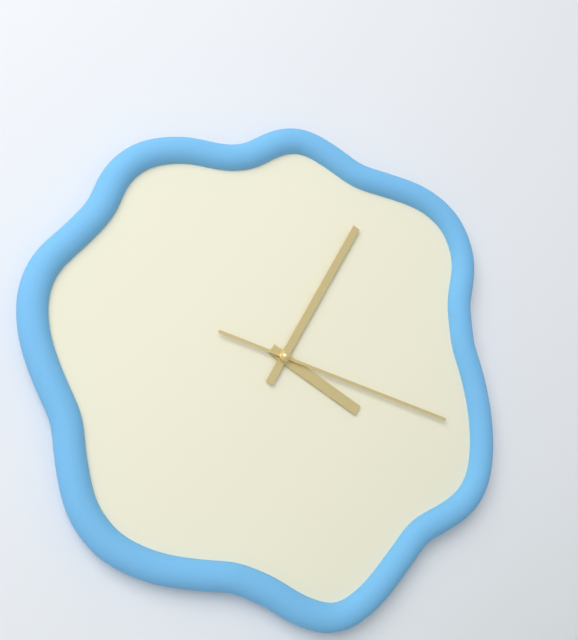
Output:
4.05.18
